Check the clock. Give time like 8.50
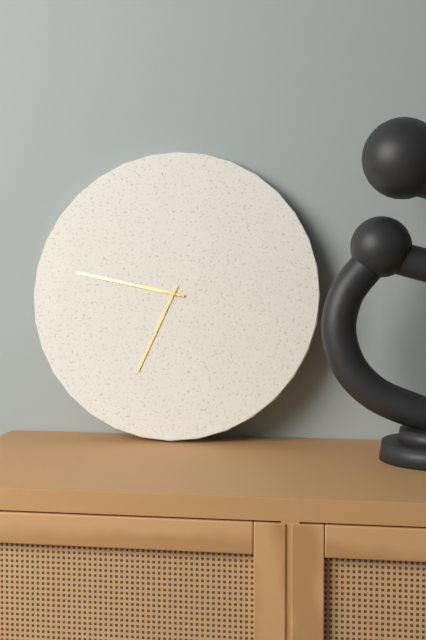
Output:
6.47
